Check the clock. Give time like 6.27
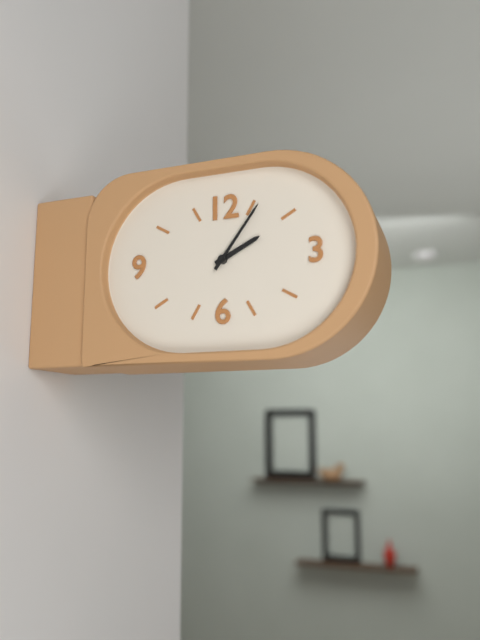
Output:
2.06
